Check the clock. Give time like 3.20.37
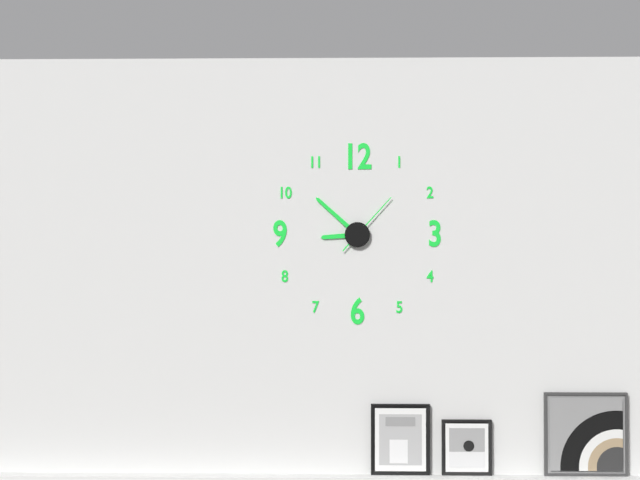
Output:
8.52.07
